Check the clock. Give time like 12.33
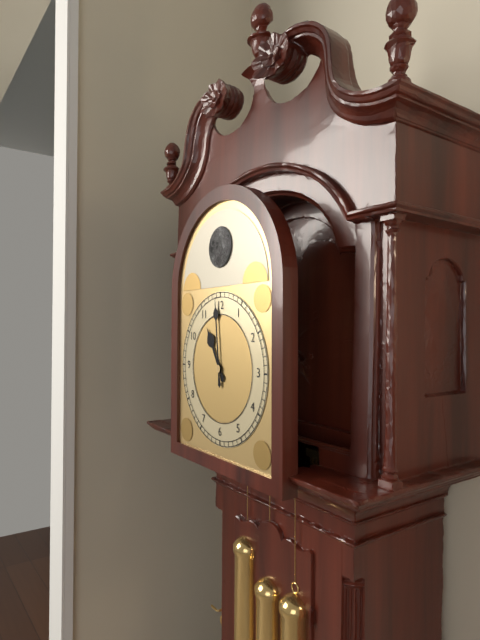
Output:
10.59
